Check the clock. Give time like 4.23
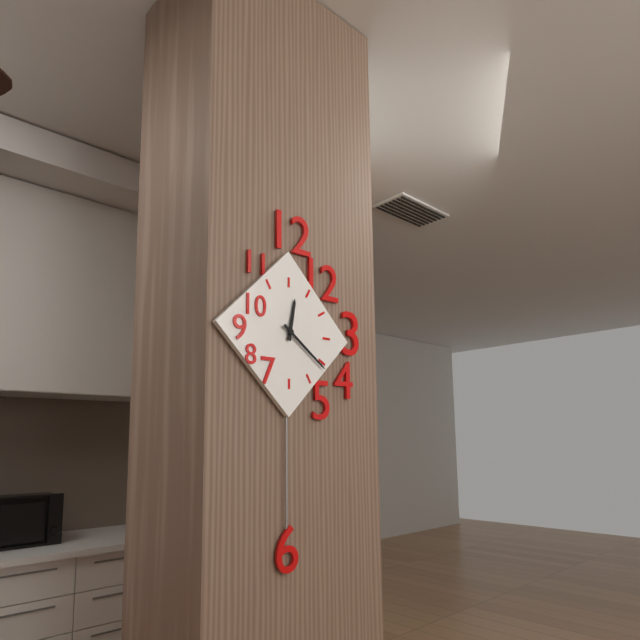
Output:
12.21
